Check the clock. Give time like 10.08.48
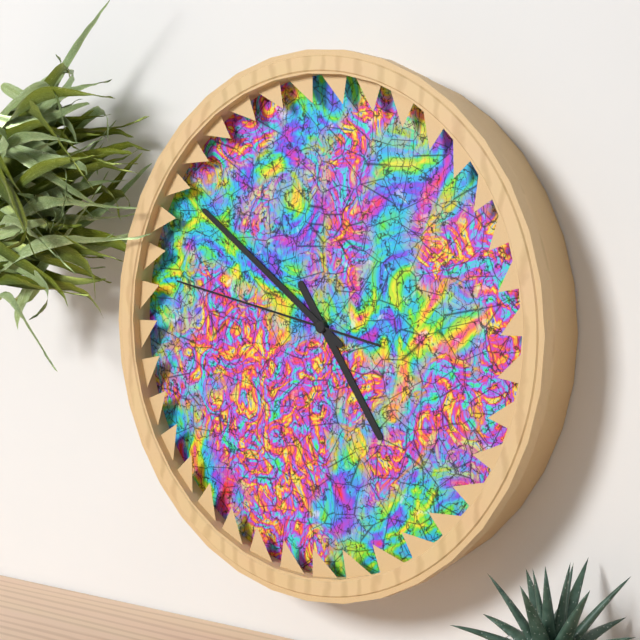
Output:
4.51.47
